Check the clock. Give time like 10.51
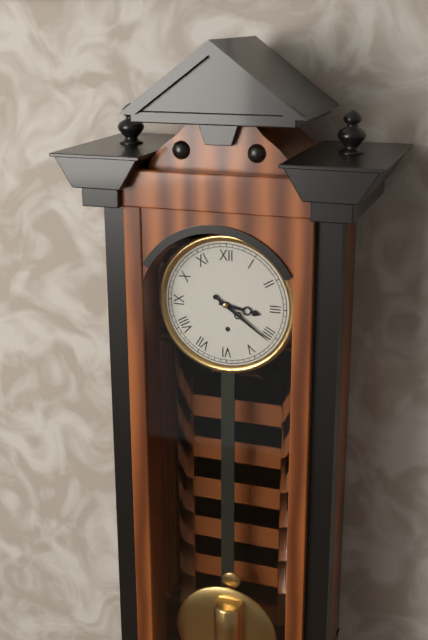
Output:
3.21
